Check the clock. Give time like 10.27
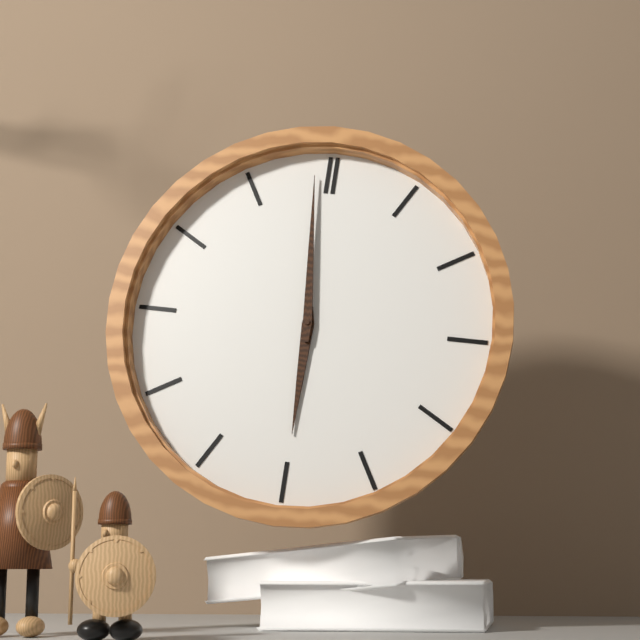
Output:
5.59
